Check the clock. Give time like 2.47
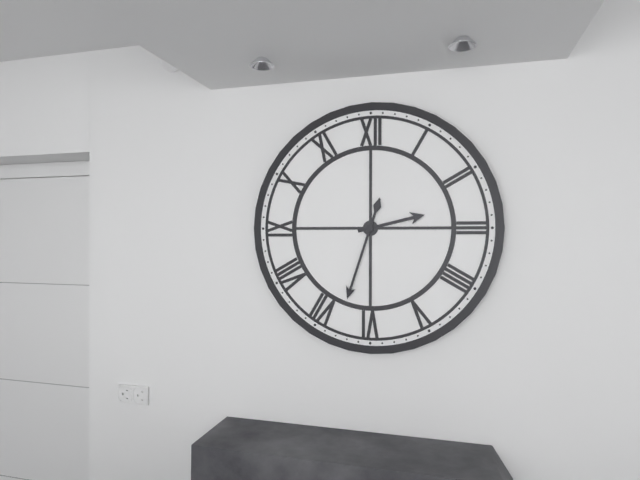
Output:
2.33
